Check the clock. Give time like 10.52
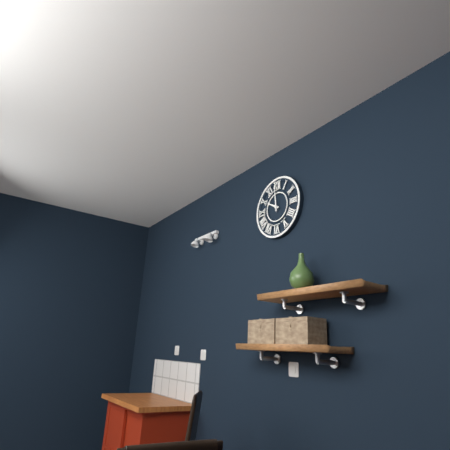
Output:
9.59
